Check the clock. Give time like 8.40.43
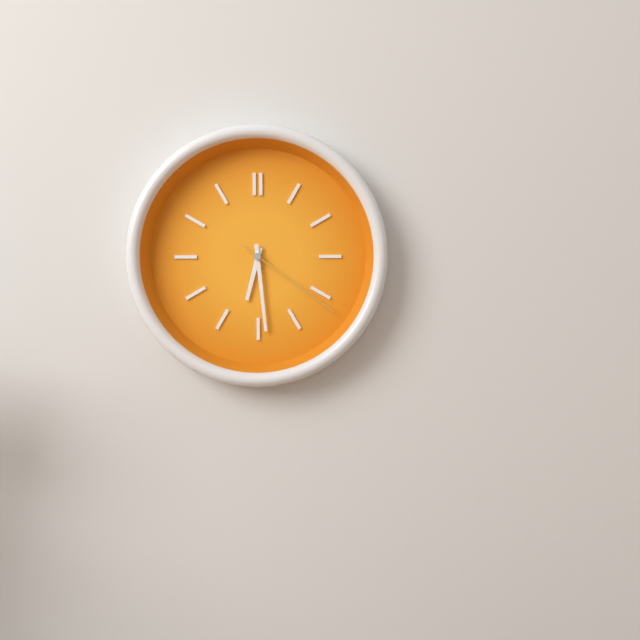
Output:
6.29.21
